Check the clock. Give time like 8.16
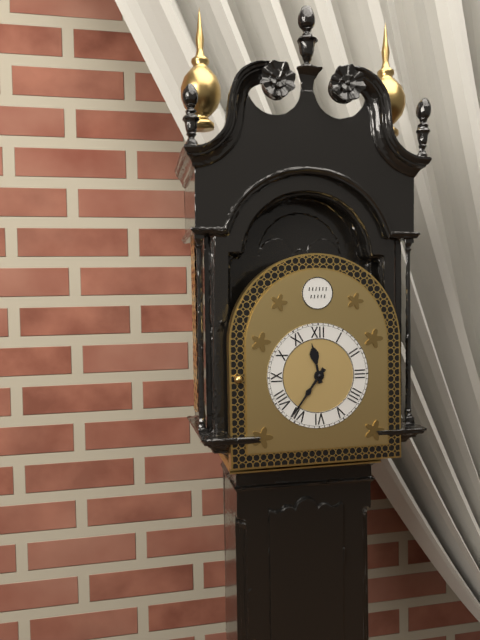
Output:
11.36
